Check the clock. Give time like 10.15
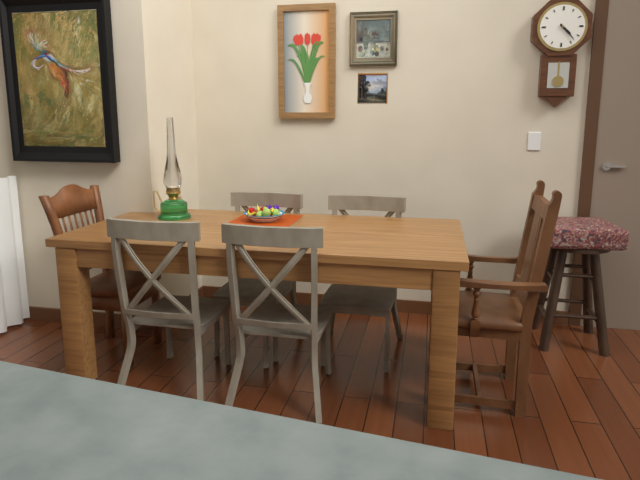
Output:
4.23
